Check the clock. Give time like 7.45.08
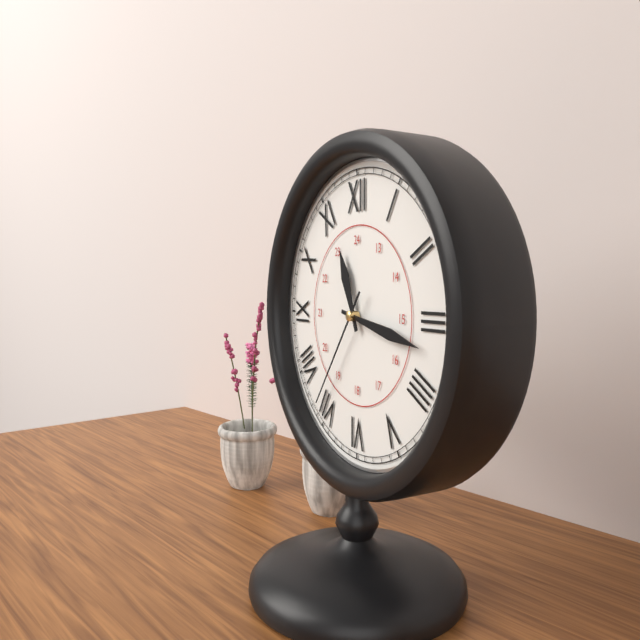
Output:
11.17.36
